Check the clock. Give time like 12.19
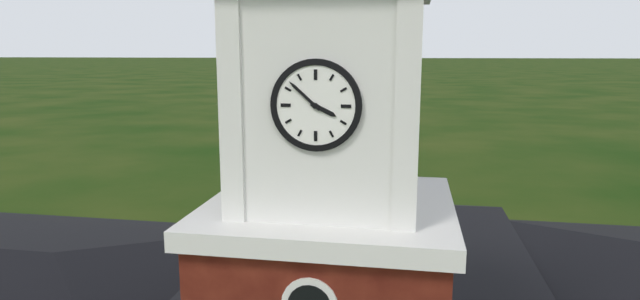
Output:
3.52
